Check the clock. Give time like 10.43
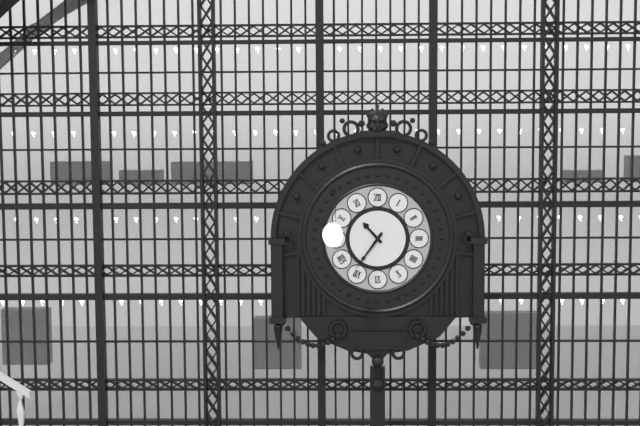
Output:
10.36
